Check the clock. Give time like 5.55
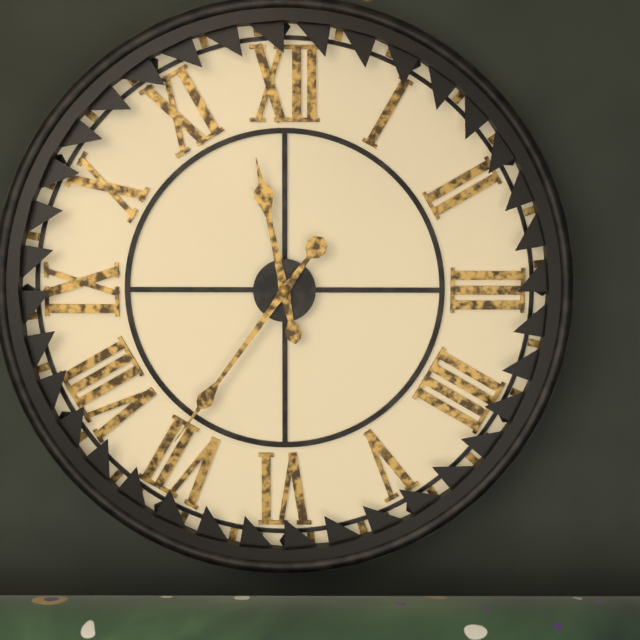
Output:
11.36
